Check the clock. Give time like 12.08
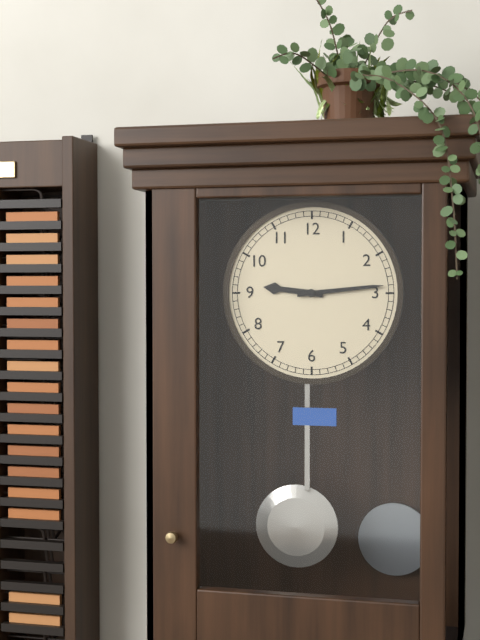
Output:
9.14
